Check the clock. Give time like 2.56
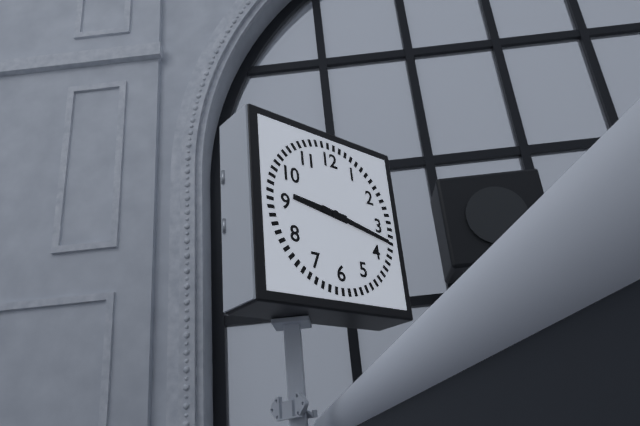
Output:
9.17
